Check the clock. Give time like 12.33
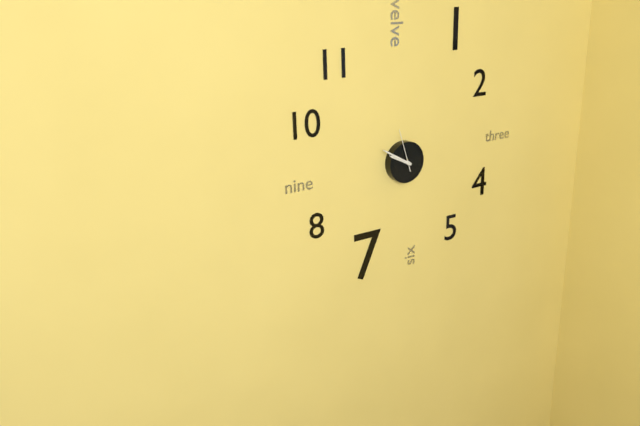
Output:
9.50
